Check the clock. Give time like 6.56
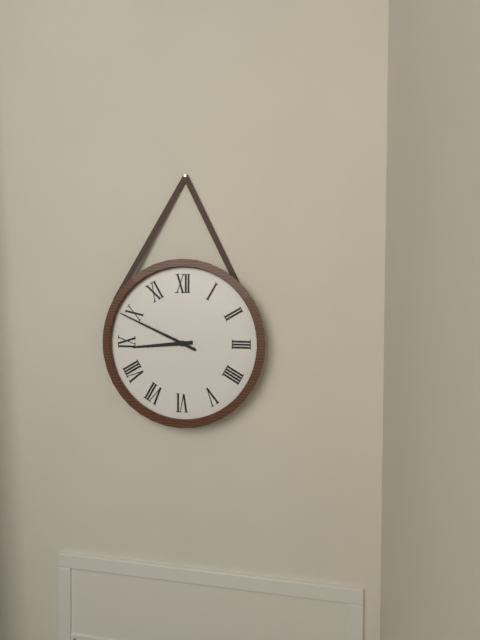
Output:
8.49
